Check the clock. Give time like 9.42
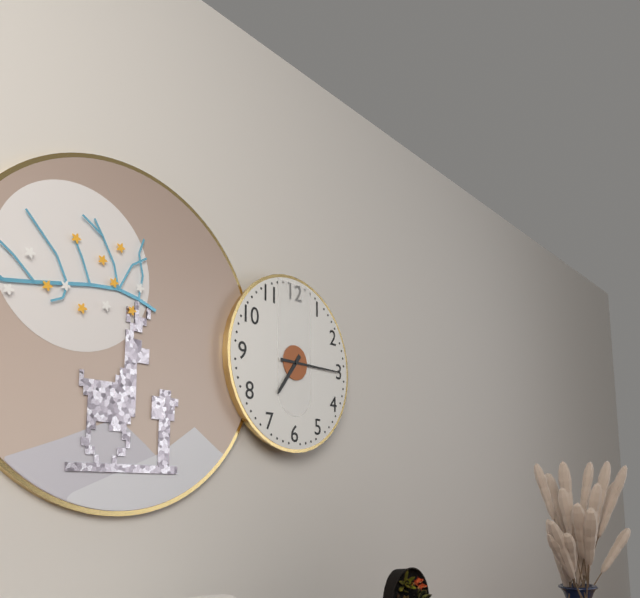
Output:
7.15
